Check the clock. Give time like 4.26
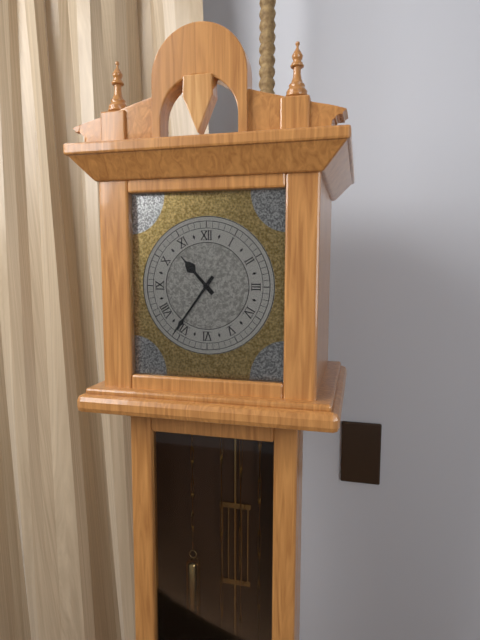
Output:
10.36
